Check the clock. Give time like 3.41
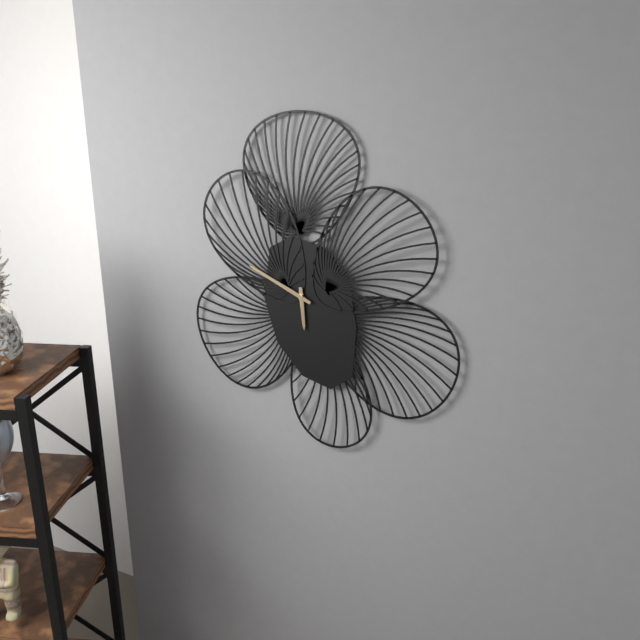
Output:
5.49
